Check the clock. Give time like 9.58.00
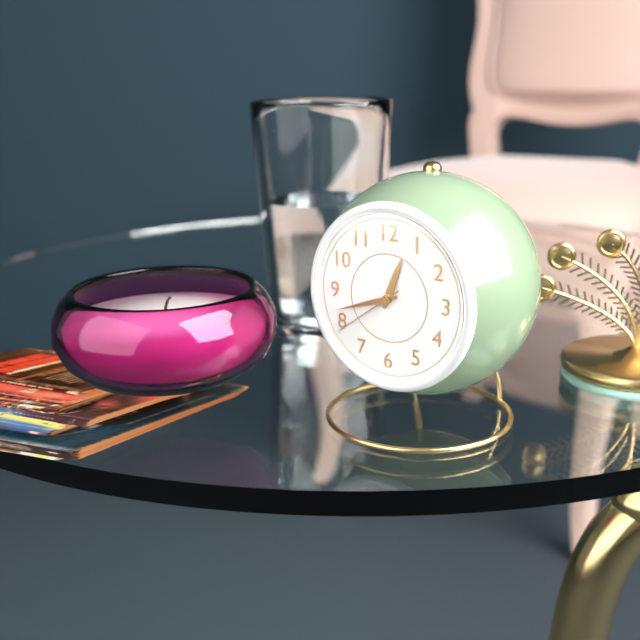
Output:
12.42.39
